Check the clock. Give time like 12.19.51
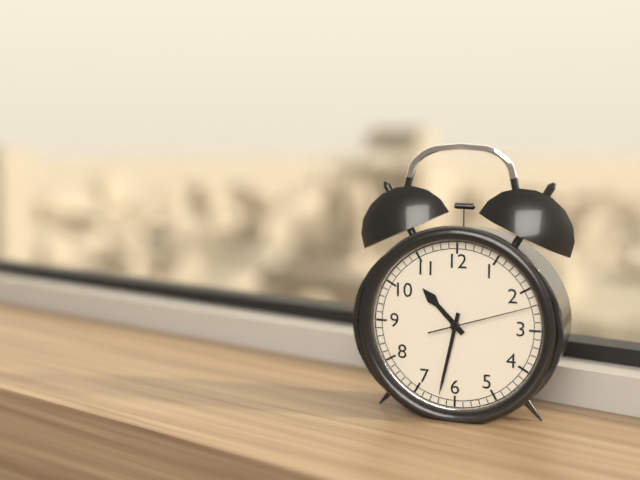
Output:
10.32.12
